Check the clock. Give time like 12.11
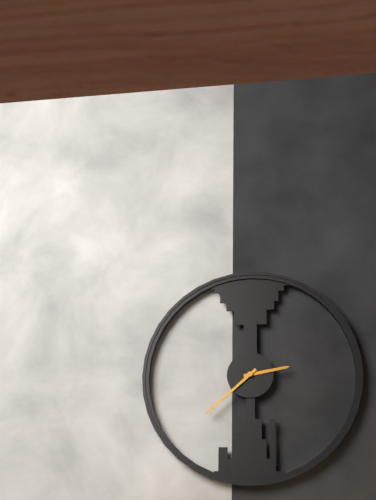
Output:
2.38
